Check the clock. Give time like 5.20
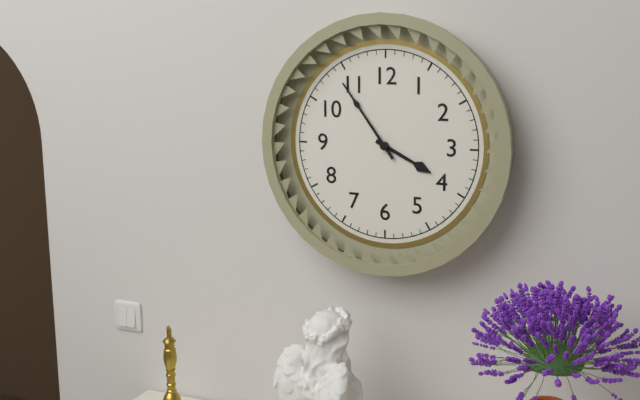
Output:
3.54
